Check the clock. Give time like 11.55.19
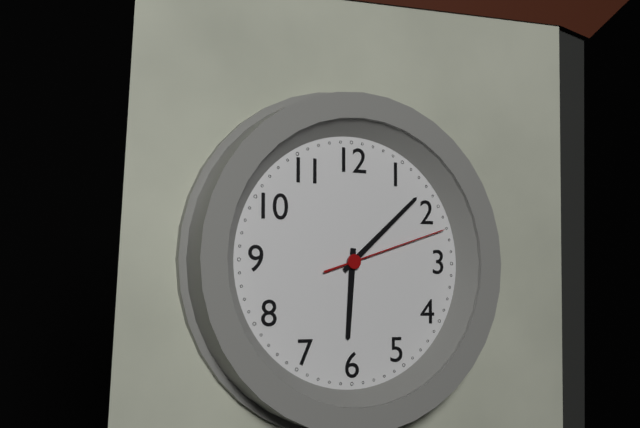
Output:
6.08.12
